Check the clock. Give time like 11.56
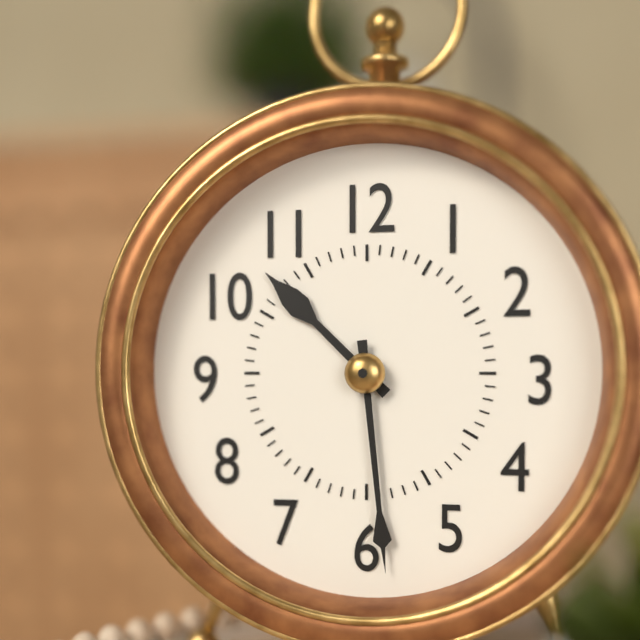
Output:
10.29
